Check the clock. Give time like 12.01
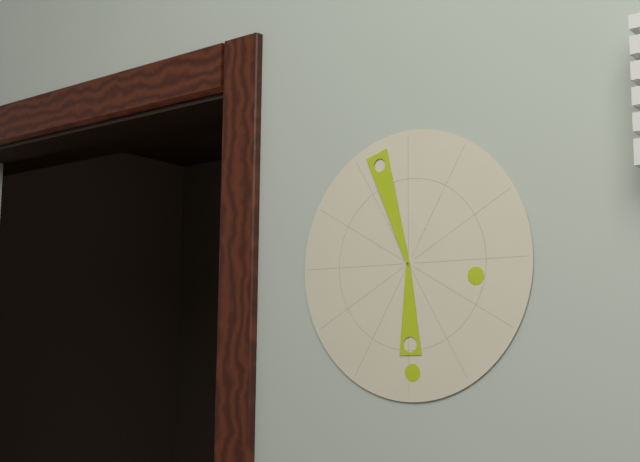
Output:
5.57
